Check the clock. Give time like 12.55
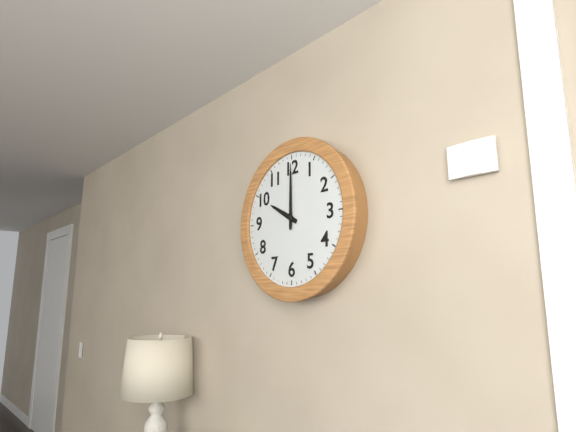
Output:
10.00
